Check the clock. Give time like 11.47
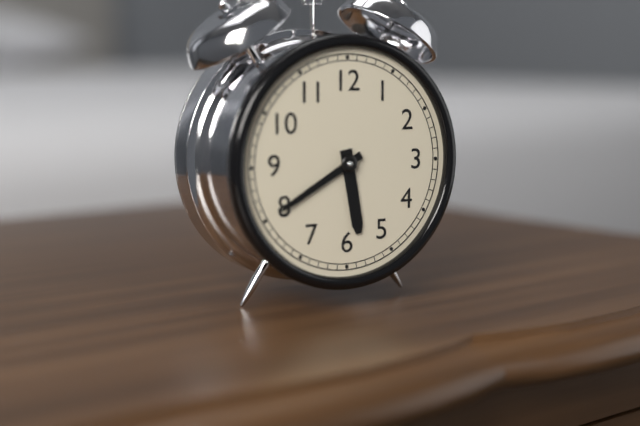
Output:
5.40
